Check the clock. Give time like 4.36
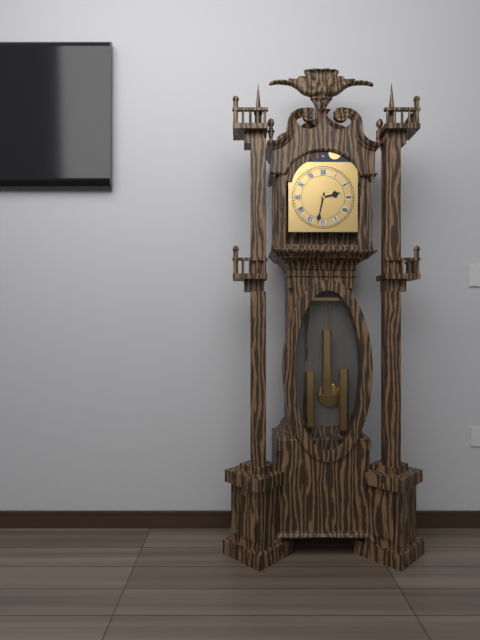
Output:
2.32
